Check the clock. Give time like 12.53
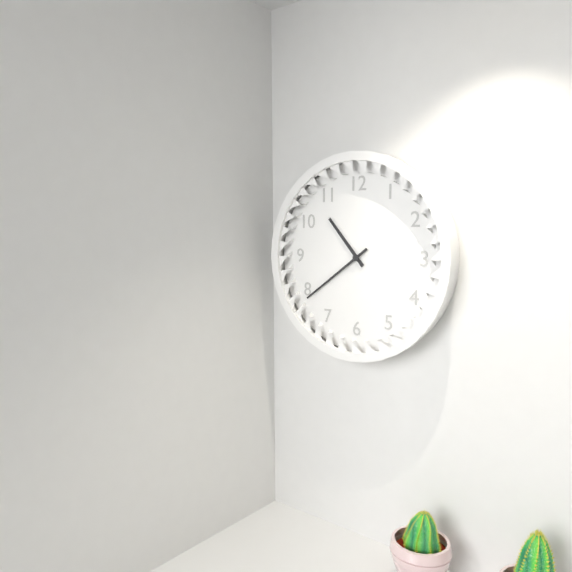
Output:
10.39
